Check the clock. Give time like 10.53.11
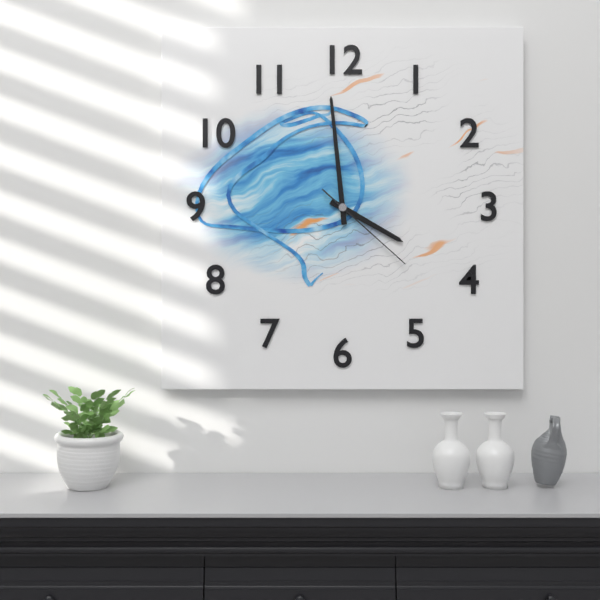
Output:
3.59.22
